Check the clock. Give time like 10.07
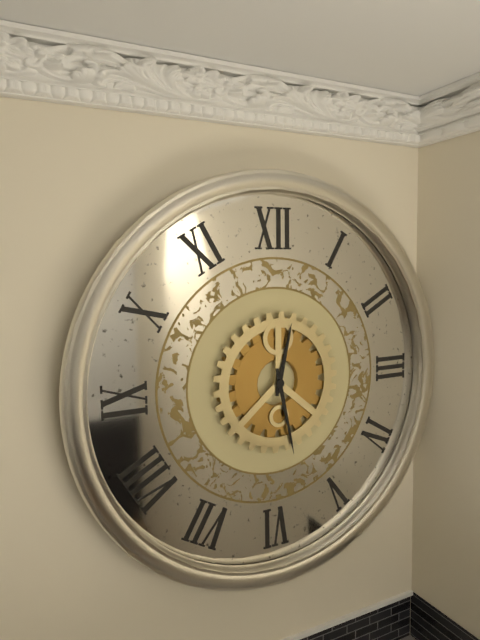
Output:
12.28
